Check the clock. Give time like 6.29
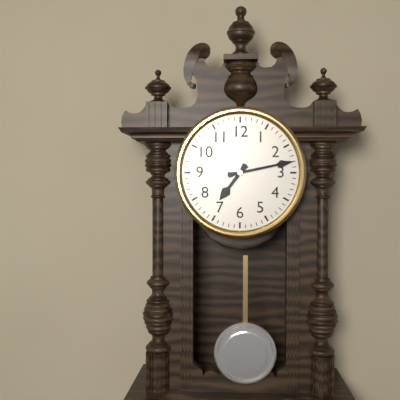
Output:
7.13
